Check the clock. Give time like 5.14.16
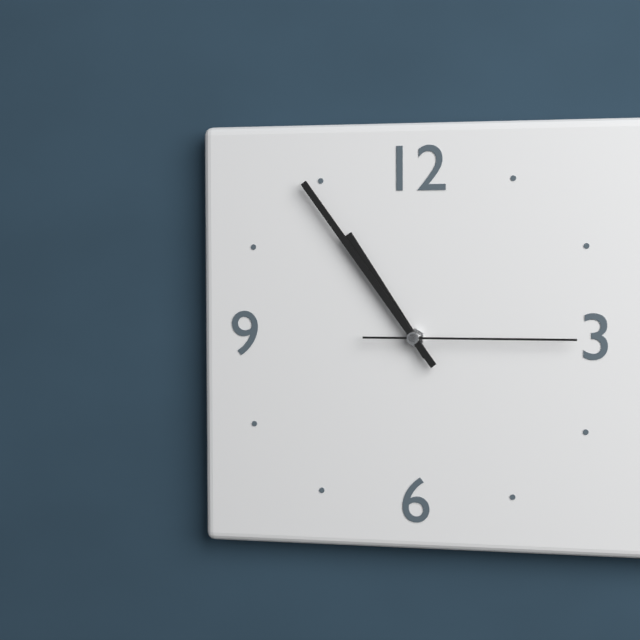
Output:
10.54.15
